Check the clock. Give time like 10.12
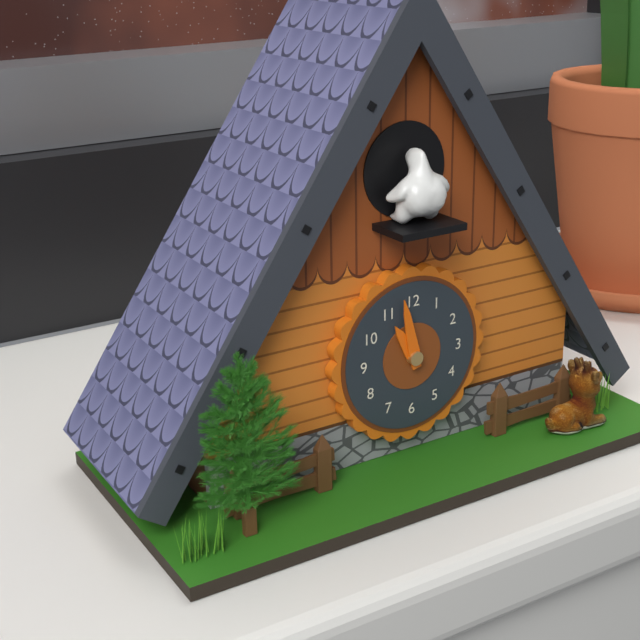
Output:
10.58
